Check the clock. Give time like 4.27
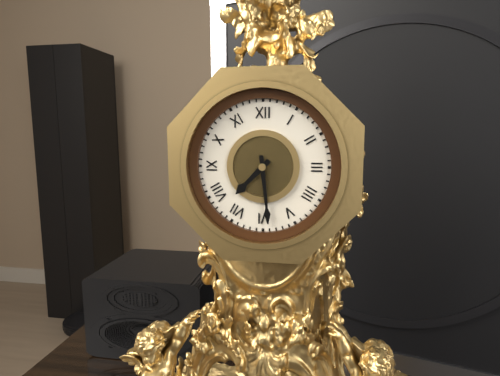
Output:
7.29
